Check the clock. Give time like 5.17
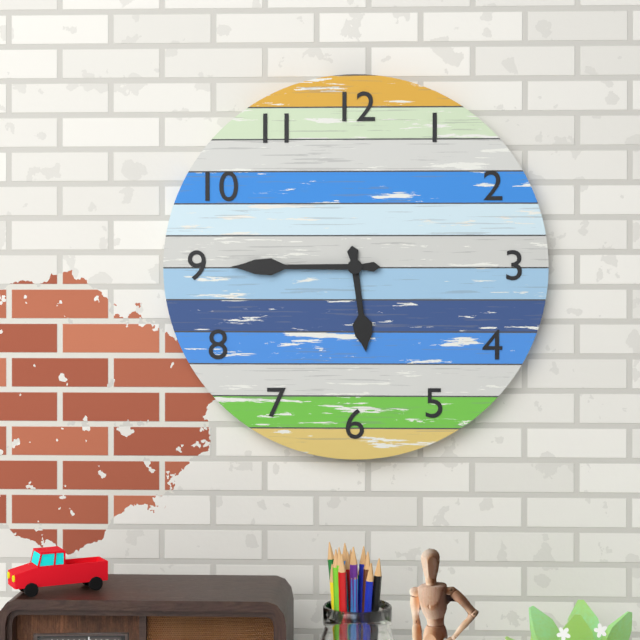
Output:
5.45
